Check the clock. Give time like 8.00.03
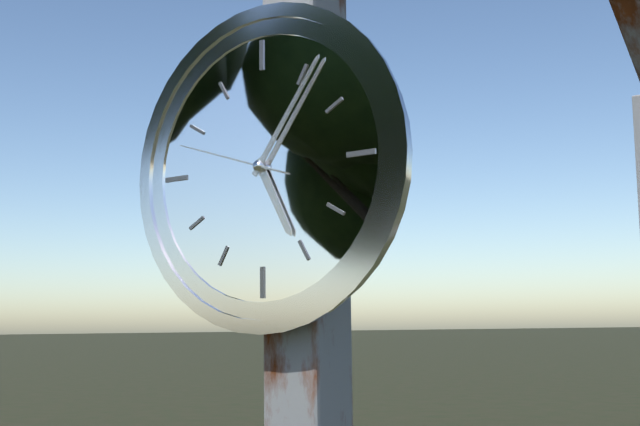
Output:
5.06.48
